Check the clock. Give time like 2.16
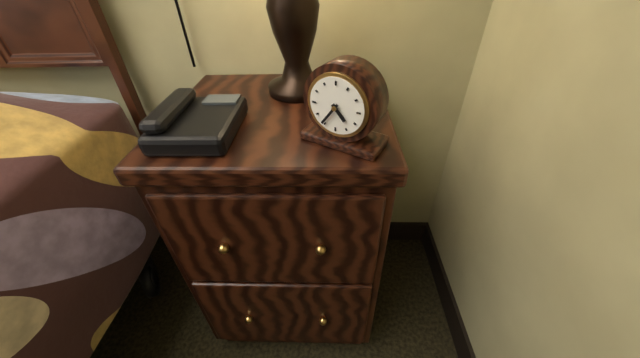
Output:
4.36
